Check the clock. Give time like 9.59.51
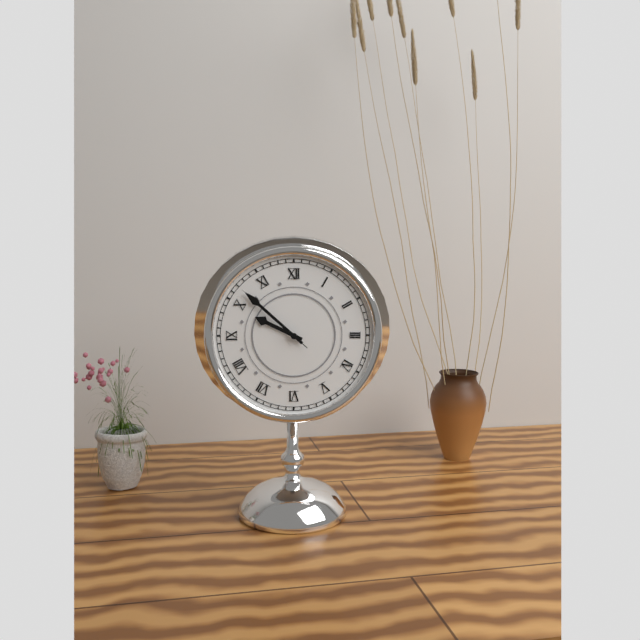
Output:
9.52.52
